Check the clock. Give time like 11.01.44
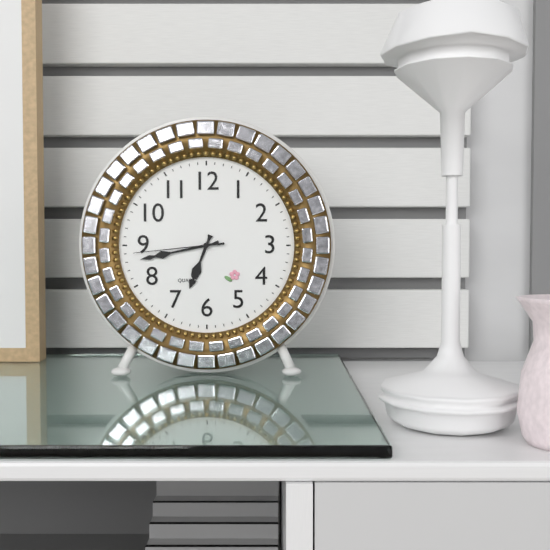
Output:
6.43.44
